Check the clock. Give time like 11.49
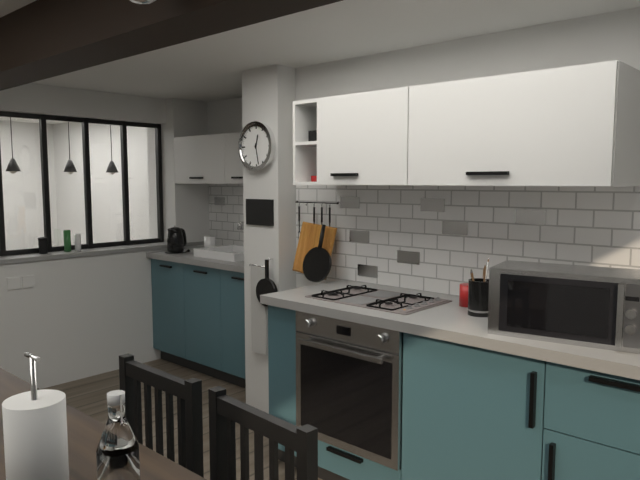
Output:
12.28
